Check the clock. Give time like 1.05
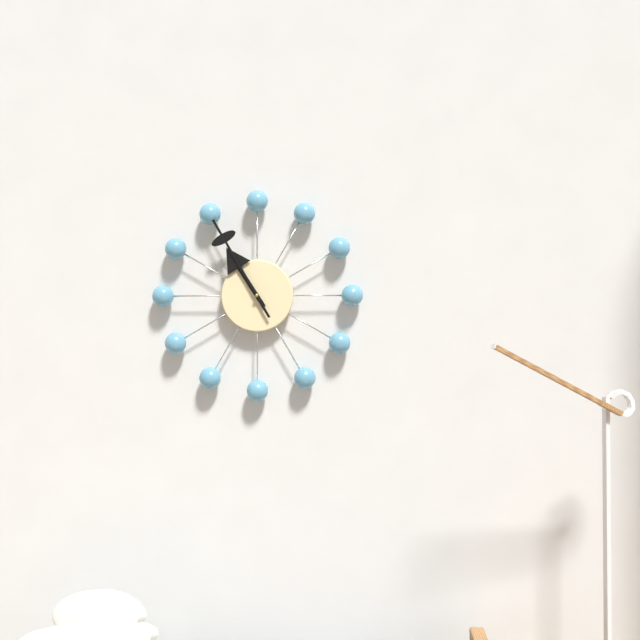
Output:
10.55
